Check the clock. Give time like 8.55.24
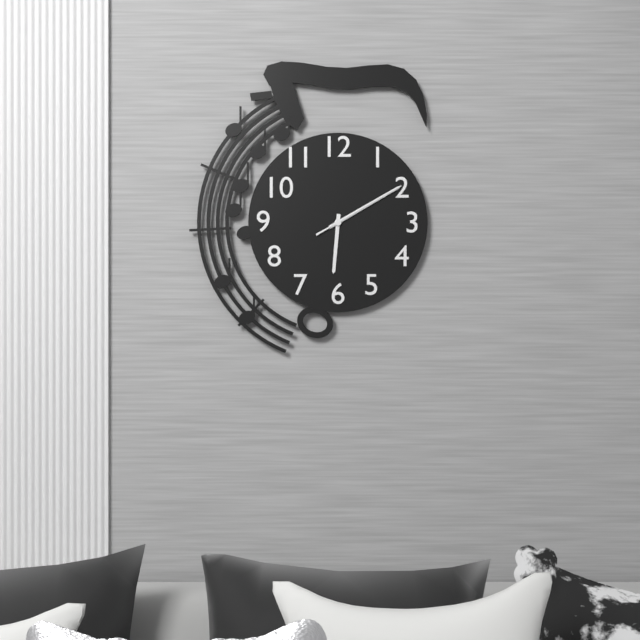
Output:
6.10.10
